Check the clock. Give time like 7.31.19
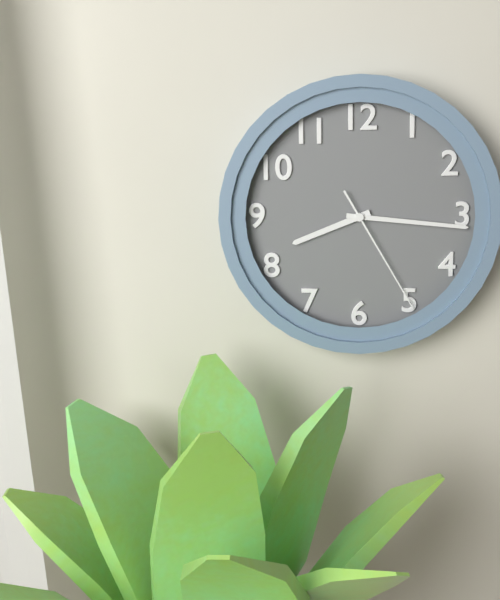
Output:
8.16.25
